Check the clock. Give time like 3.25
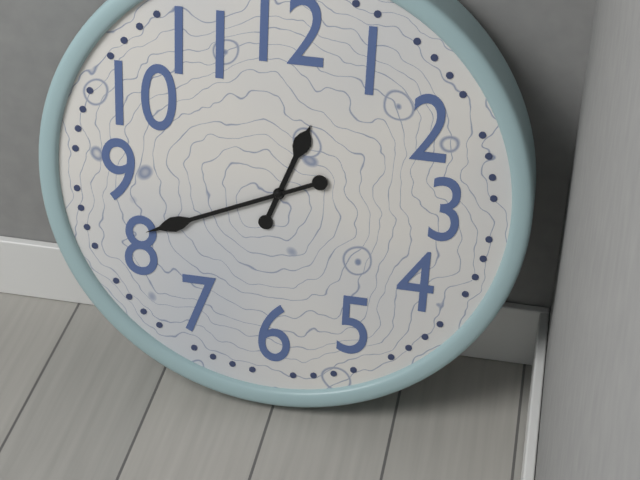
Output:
12.41
